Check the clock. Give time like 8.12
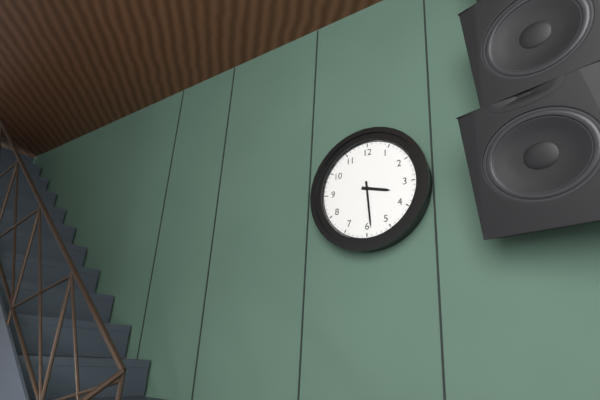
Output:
3.29
